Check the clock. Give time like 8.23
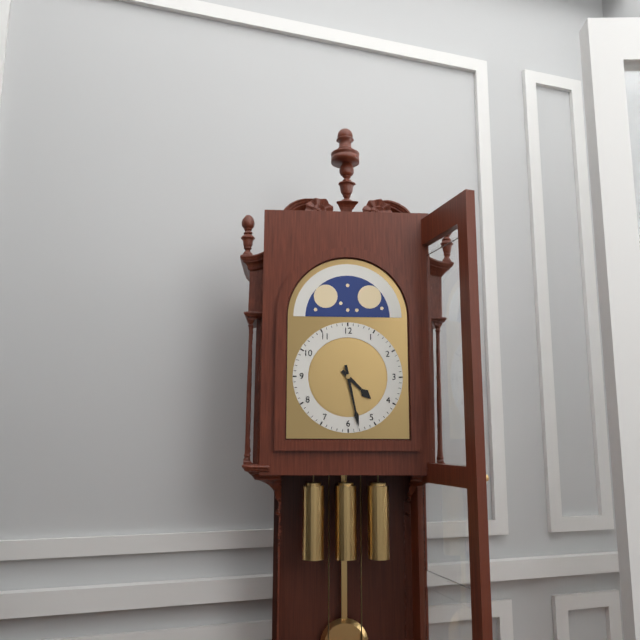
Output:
4.28
